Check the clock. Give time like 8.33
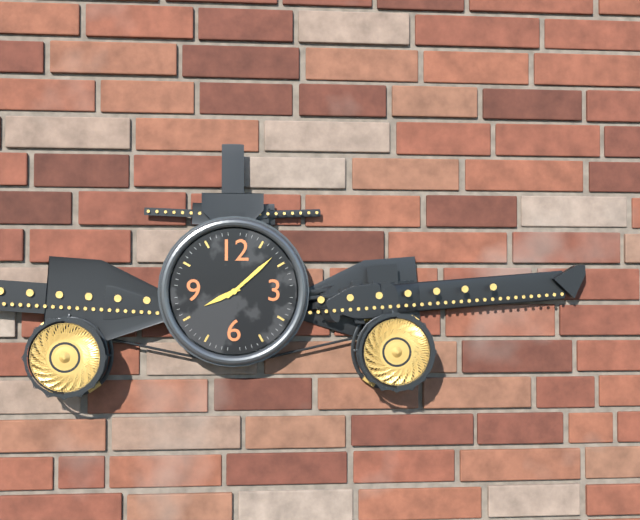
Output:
8.08
